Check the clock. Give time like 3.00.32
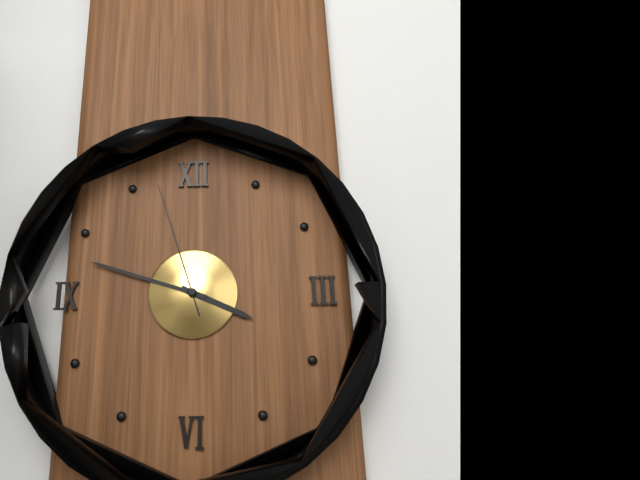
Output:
3.48.57
